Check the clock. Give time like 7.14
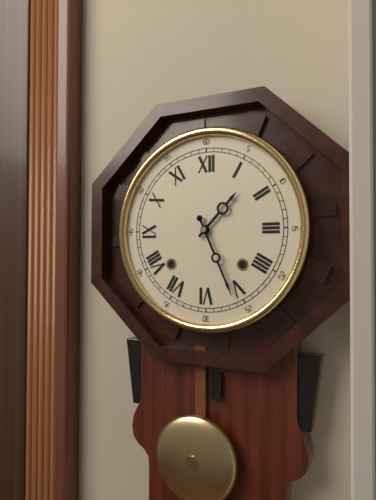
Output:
1.26
